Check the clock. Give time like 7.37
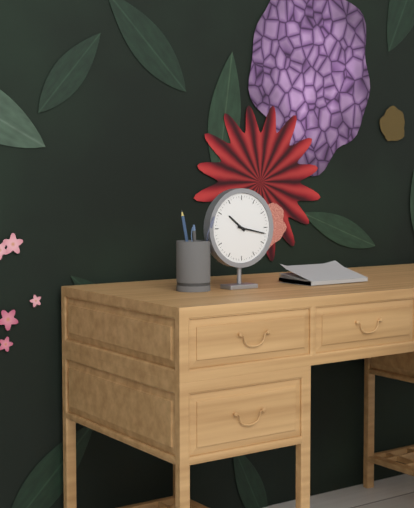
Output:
10.17
